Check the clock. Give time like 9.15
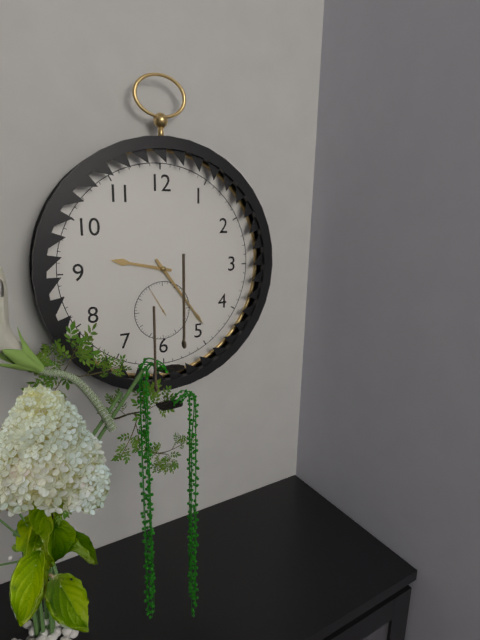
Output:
9.24
